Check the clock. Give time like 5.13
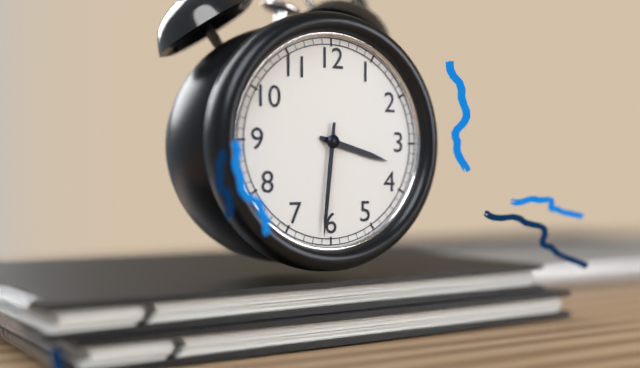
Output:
3.31
